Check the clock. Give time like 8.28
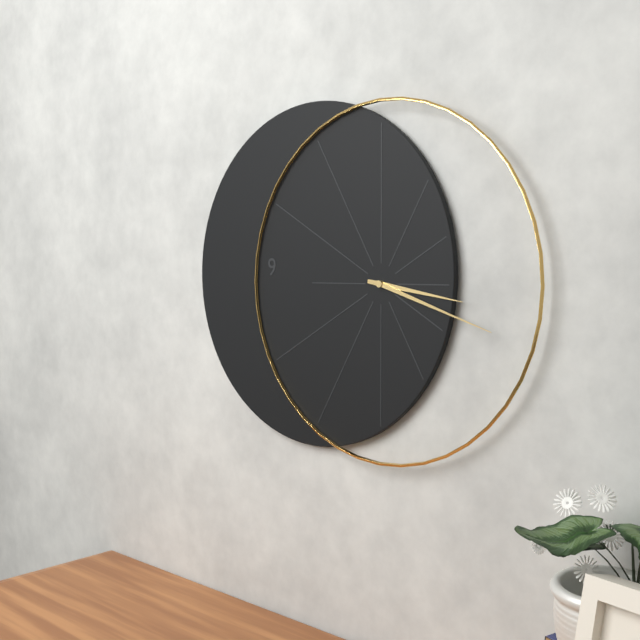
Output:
3.18
